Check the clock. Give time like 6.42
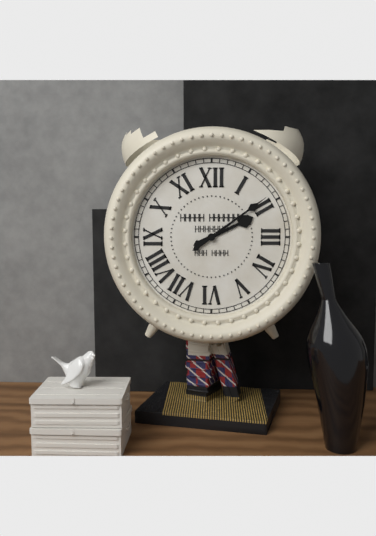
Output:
2.09
